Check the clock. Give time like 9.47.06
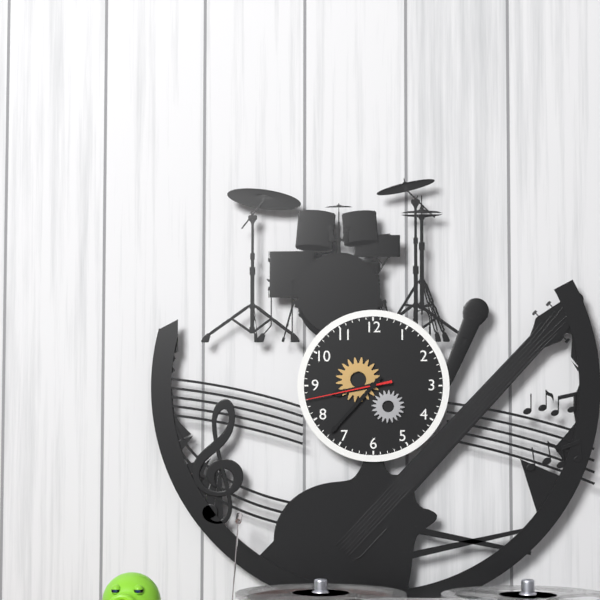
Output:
8.37.43
